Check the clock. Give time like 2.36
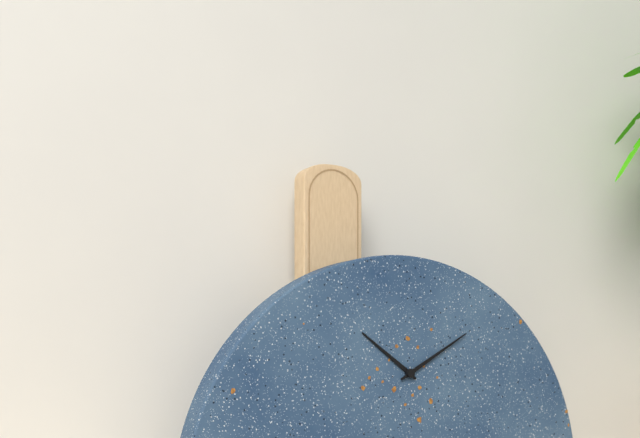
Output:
10.10
